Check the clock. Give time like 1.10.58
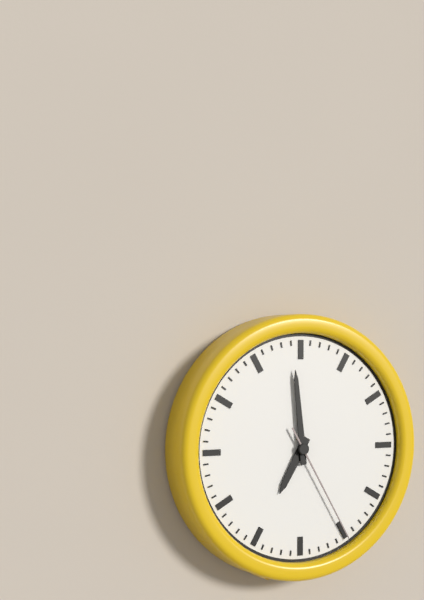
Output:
6.59.25
